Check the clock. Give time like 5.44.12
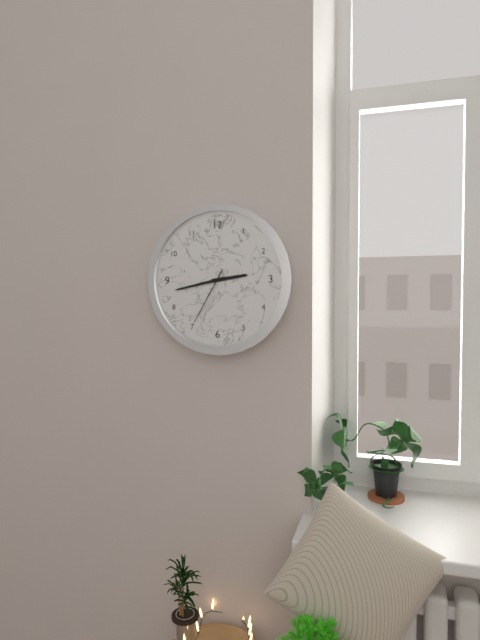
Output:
2.43.35
